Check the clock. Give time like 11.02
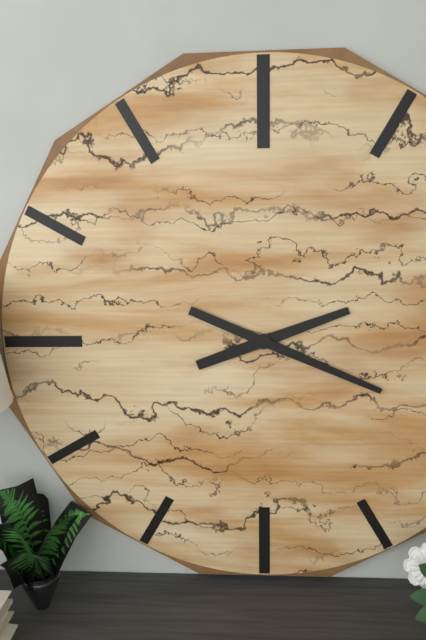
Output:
2.19
